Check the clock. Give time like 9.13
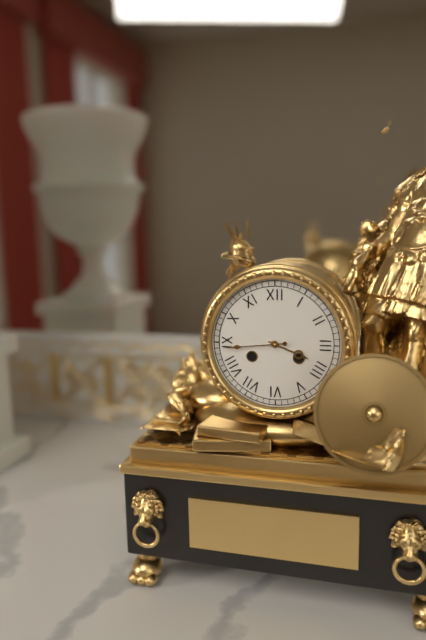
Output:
3.44
